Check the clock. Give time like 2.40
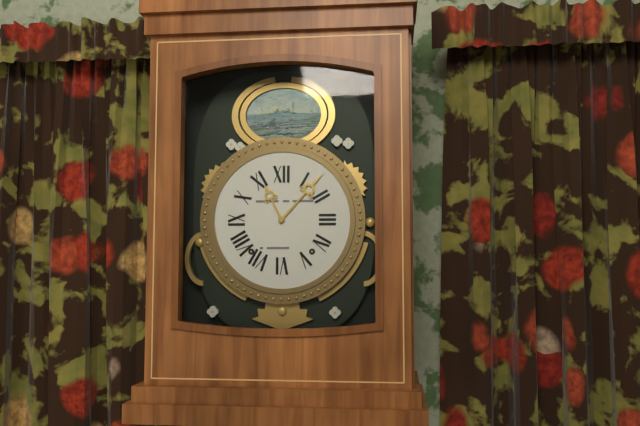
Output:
11.07
